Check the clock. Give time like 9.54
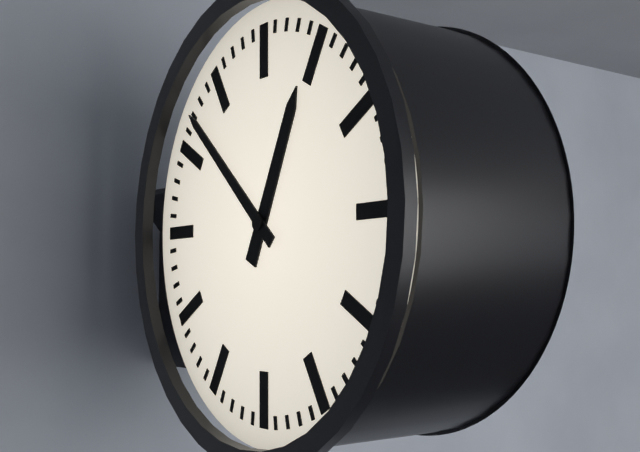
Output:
12.52
